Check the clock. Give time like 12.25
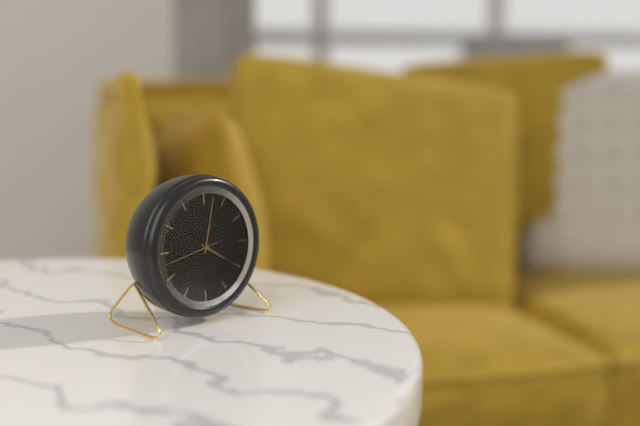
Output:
4.02
